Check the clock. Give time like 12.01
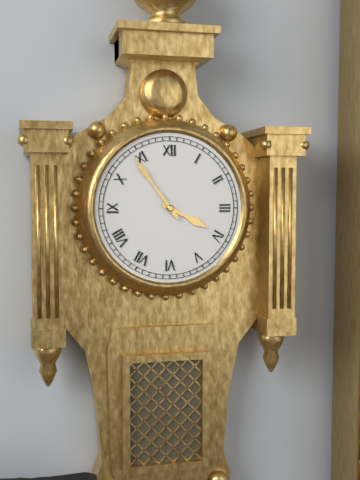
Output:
3.54
